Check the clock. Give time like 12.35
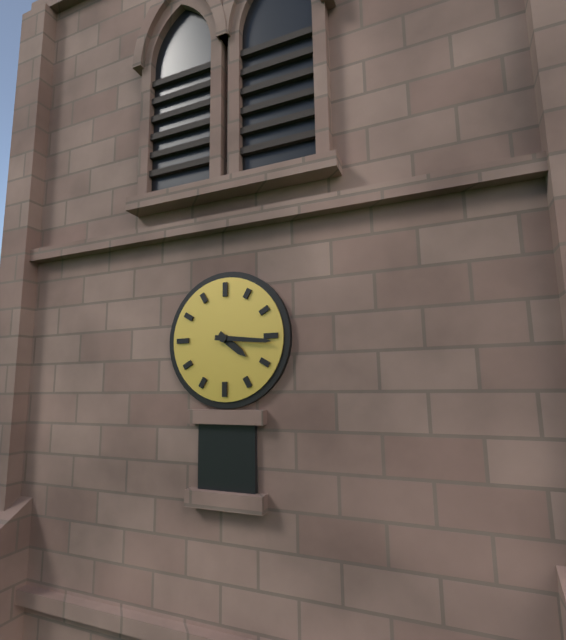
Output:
4.16
